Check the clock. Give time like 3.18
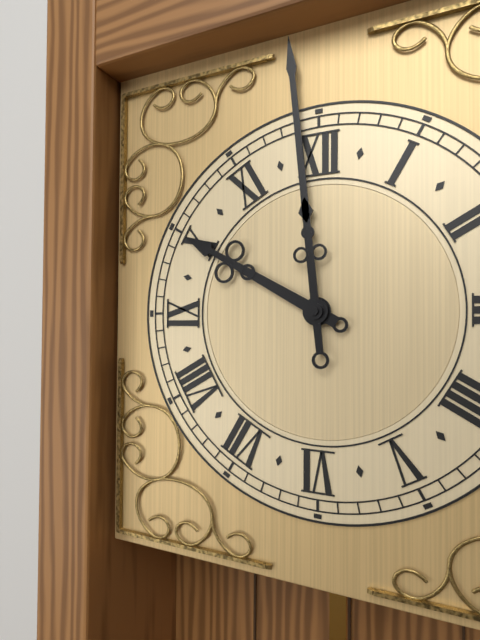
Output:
9.59
